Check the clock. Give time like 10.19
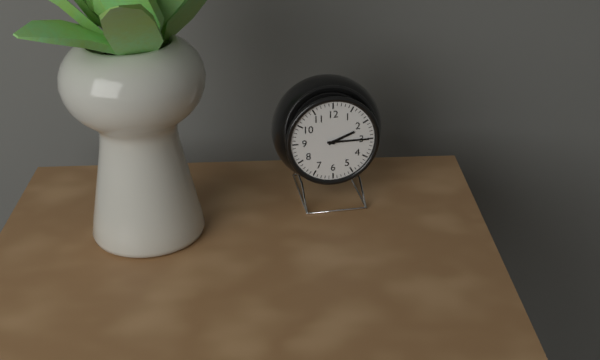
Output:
2.15
